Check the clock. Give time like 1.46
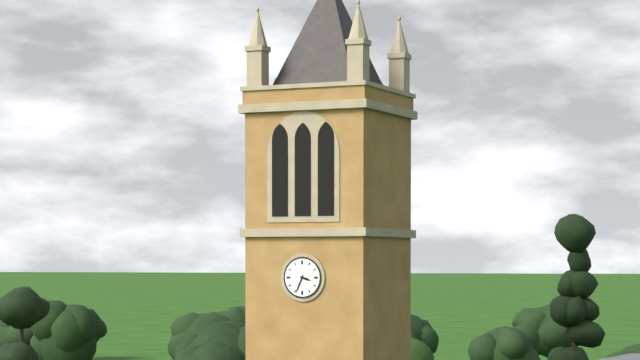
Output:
3.34
